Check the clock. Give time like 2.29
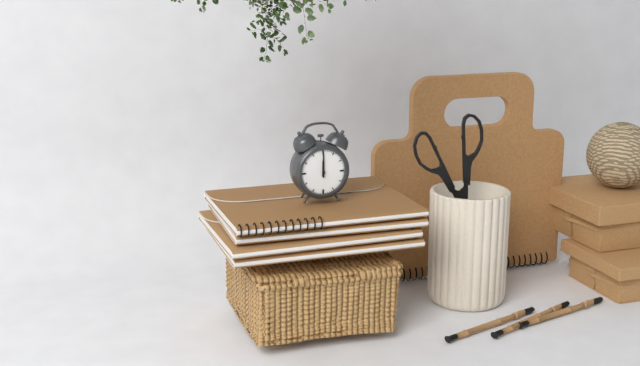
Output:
12.00
